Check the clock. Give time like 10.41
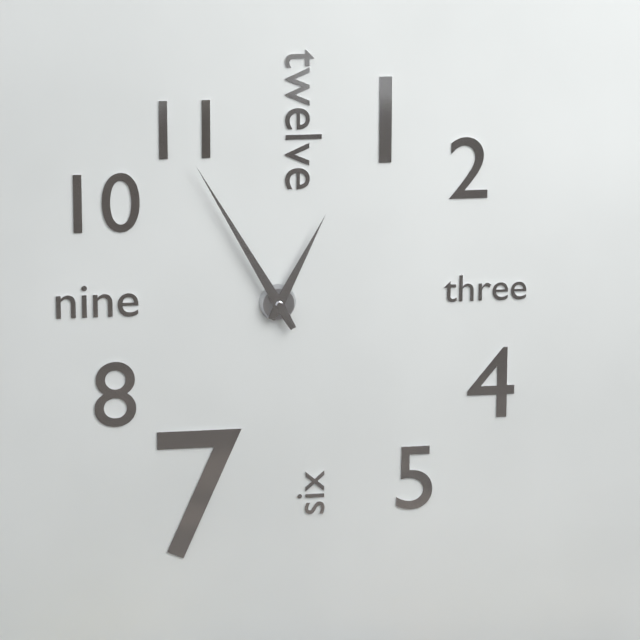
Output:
12.55
